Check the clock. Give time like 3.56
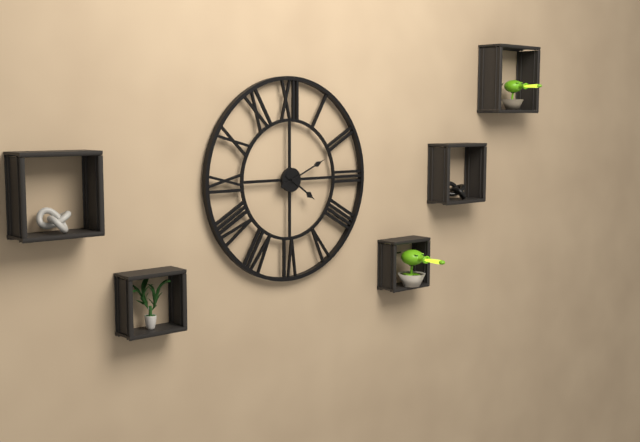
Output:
4.11
